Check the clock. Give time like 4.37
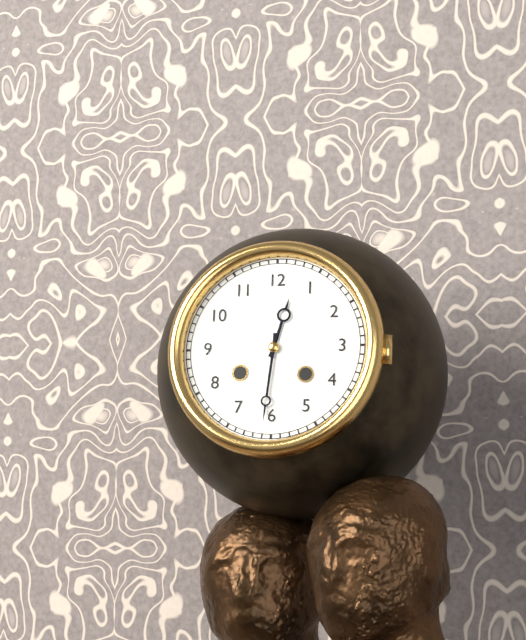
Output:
12.31
